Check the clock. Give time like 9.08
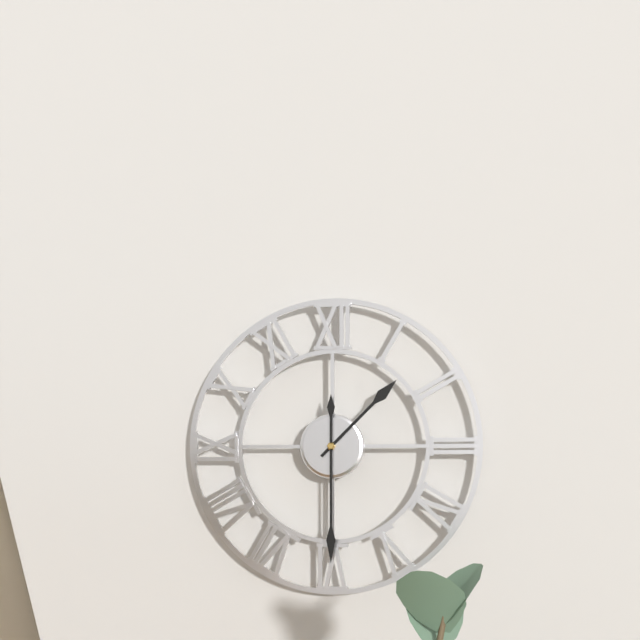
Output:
1.30
